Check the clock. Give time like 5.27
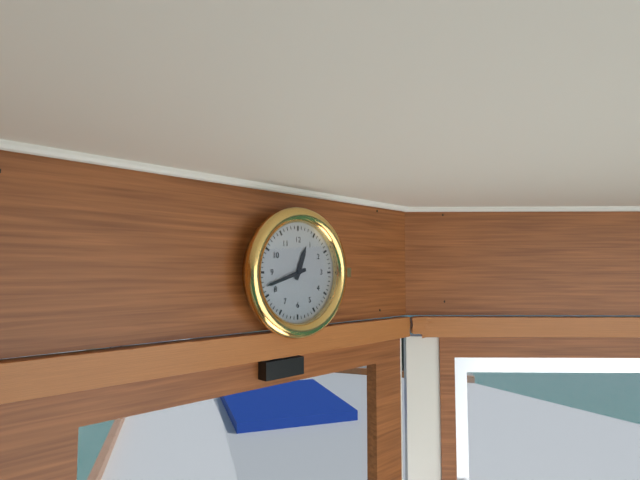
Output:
12.42
